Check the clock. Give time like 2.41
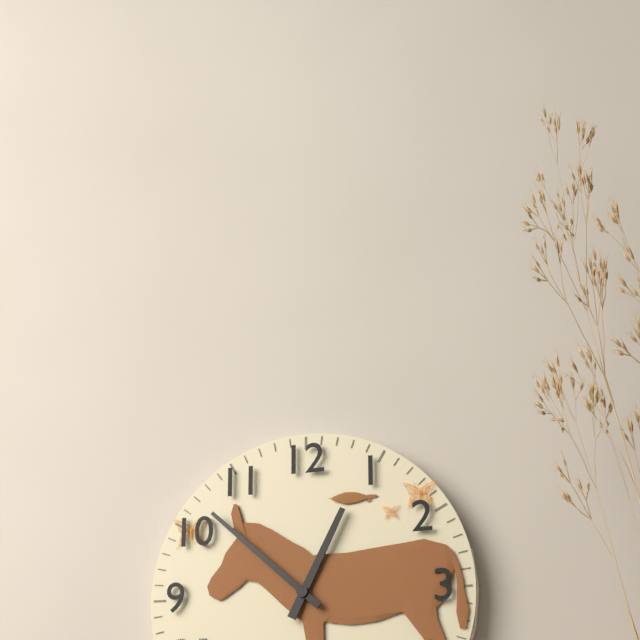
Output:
12.52
